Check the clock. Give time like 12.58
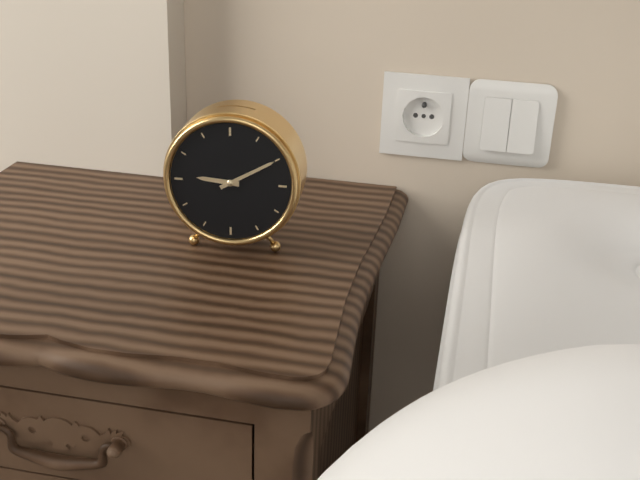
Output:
9.10
